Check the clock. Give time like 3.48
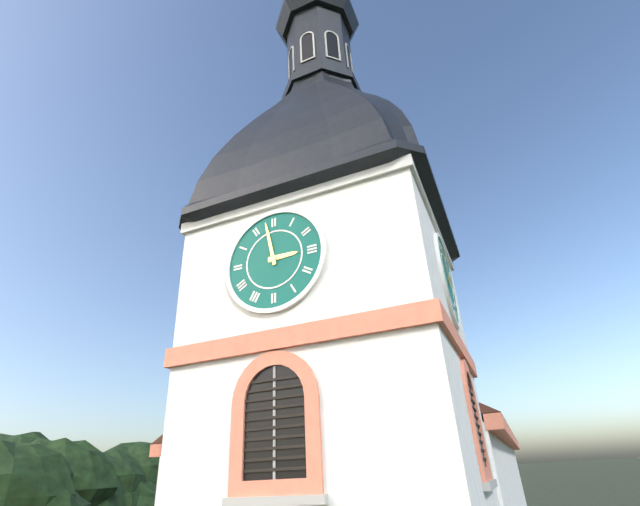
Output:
2.58
